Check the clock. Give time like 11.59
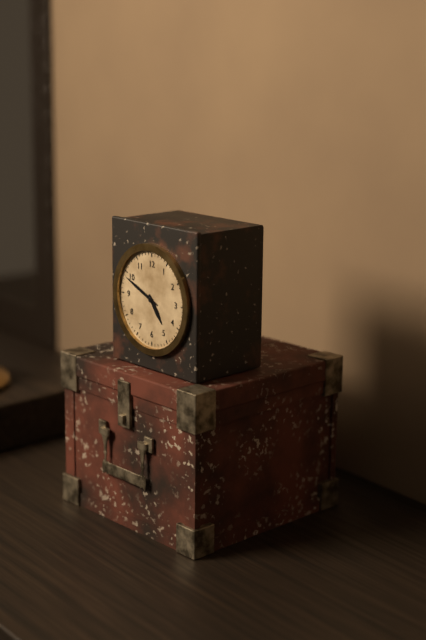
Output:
4.49
